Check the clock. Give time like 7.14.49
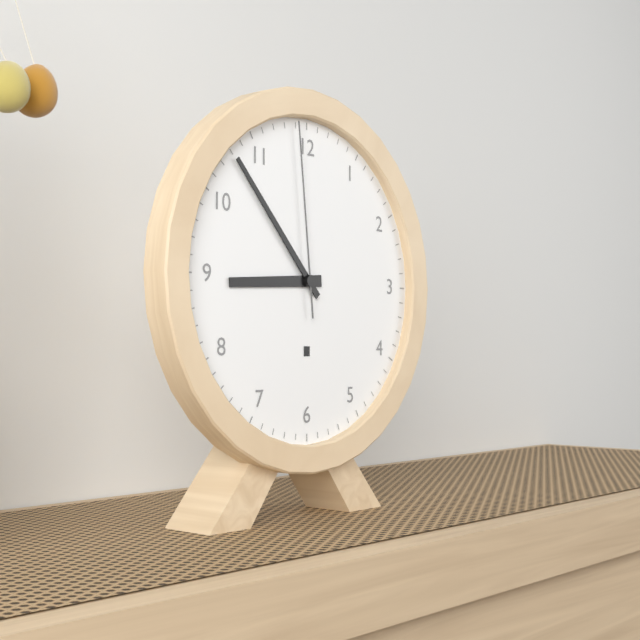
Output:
8.53.59
